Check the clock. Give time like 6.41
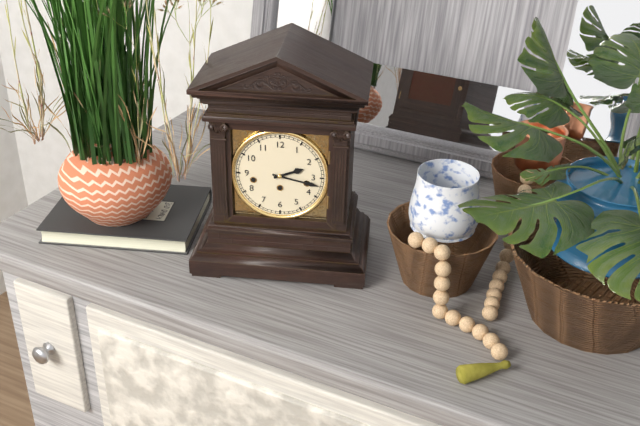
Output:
2.17
